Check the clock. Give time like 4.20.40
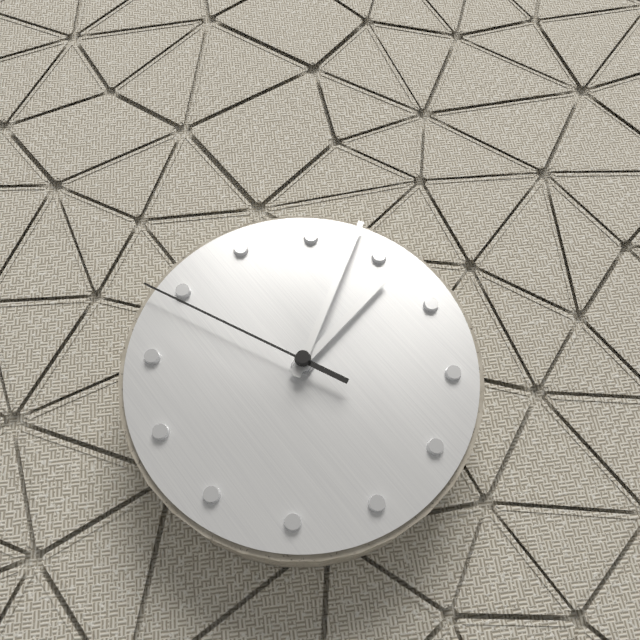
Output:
4.18.04
